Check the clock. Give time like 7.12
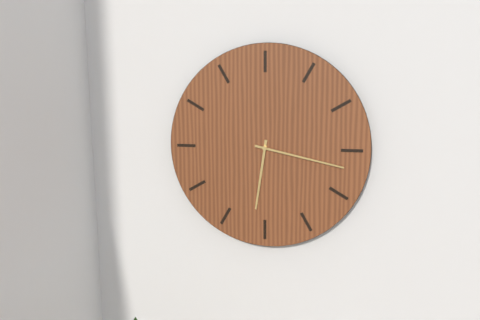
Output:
6.17
